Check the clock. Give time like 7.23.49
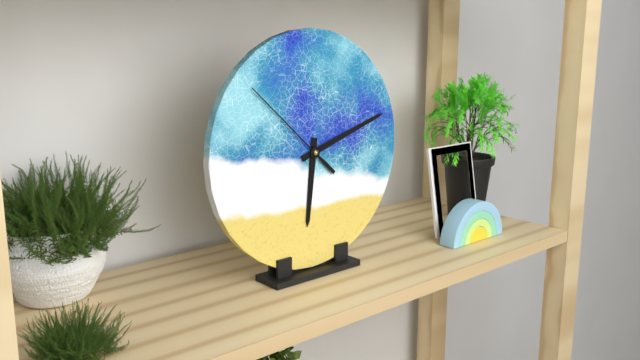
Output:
6.12.52
